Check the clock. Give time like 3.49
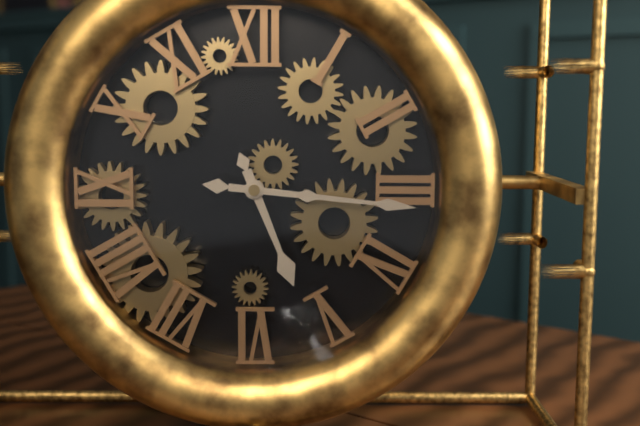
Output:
5.16
